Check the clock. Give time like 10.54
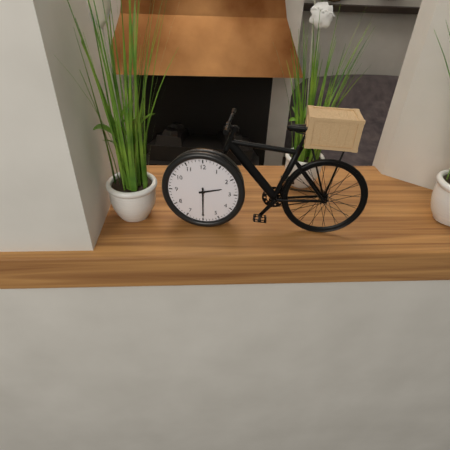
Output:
2.30
